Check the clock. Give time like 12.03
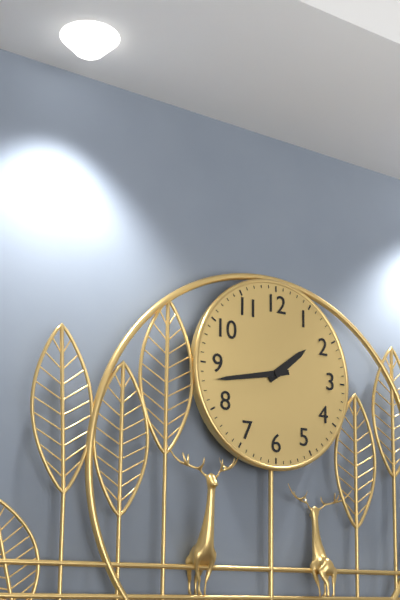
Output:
1.43
